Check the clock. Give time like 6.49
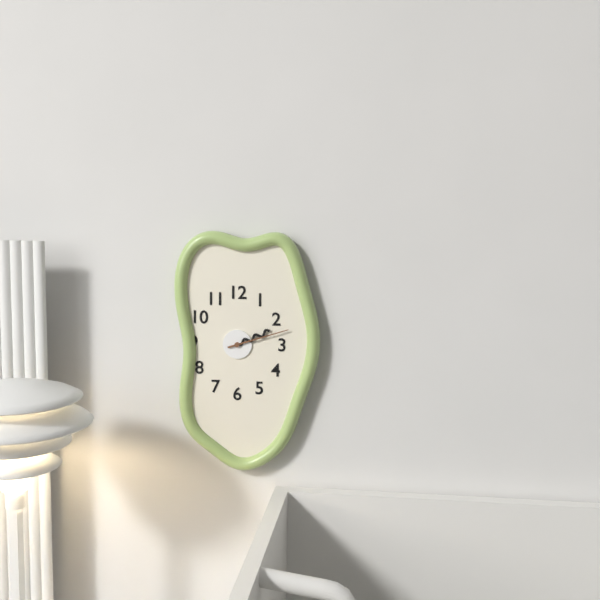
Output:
2.12
